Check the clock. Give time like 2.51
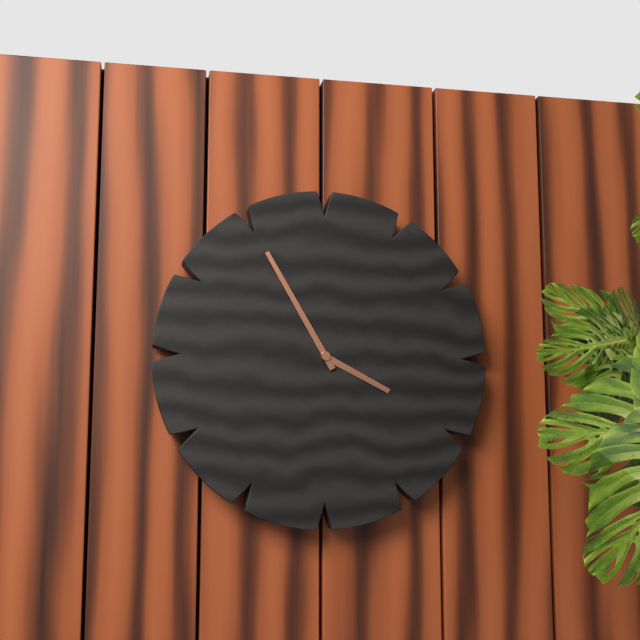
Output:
3.55
